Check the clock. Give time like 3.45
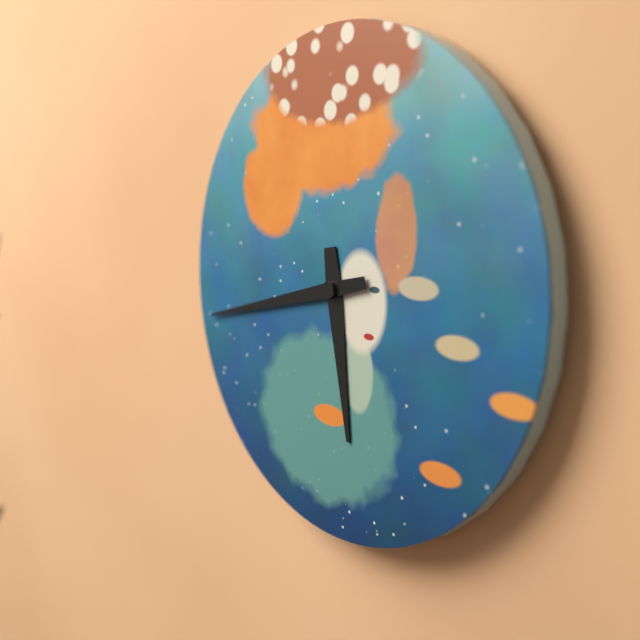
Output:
5.43
